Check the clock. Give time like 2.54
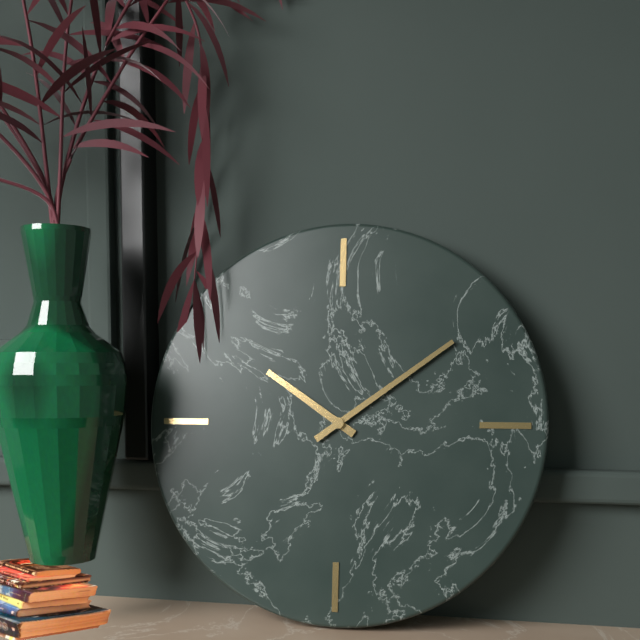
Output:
10.09
